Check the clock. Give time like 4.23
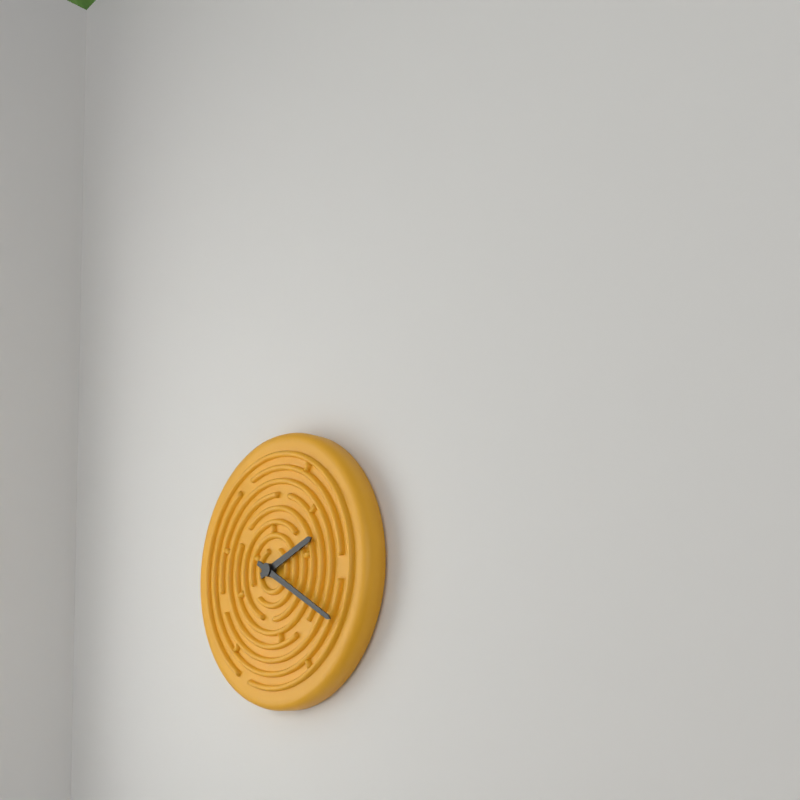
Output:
2.20
